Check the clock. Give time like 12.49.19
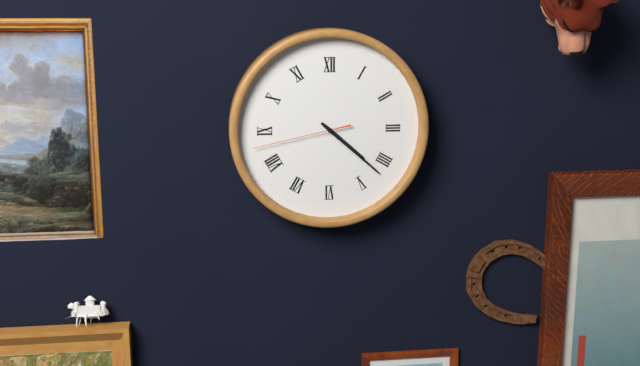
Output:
4.22.43
